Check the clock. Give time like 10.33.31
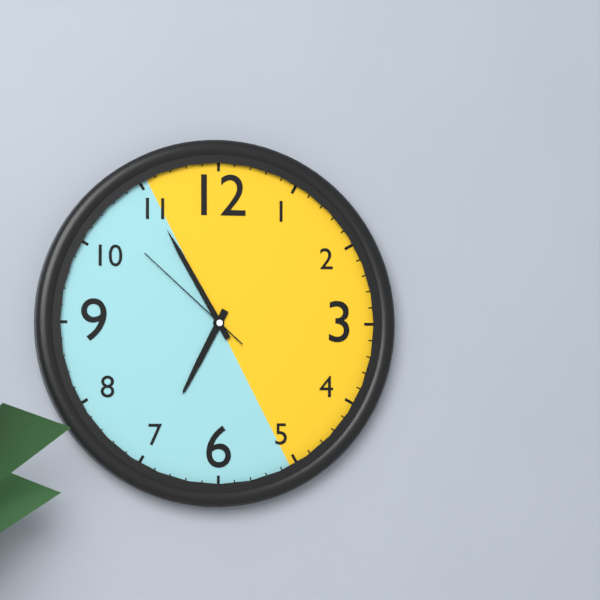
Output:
6.55.52
